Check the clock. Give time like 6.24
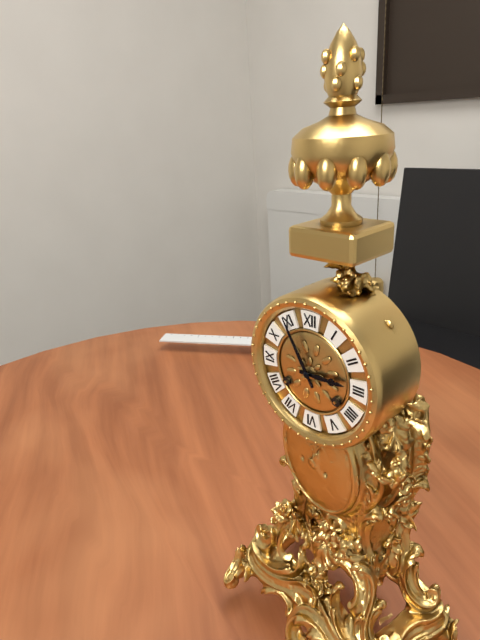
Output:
2.55
